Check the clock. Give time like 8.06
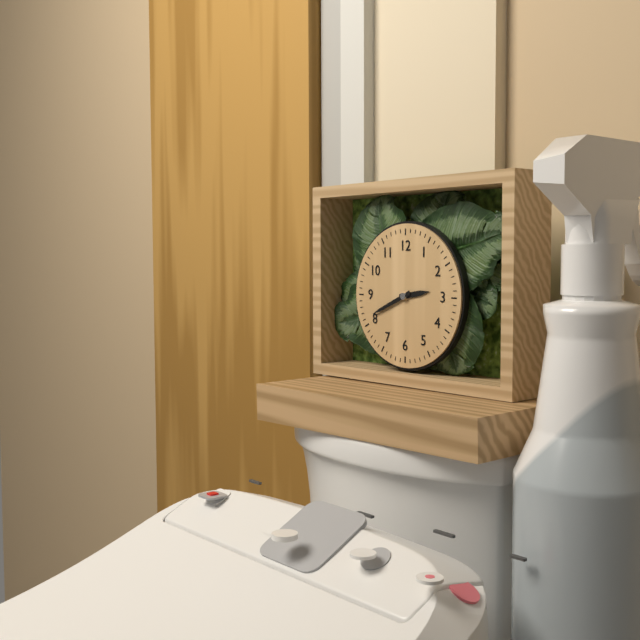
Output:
2.41
